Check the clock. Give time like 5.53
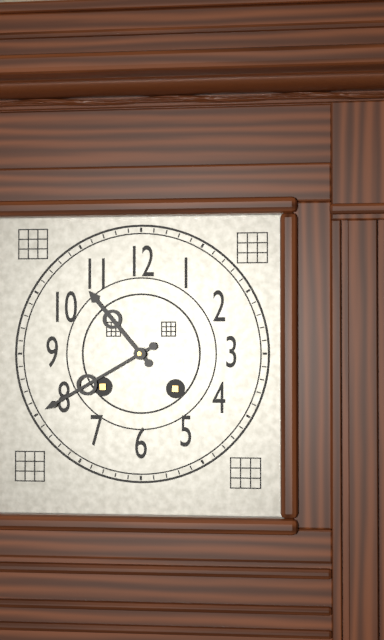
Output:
10.40
